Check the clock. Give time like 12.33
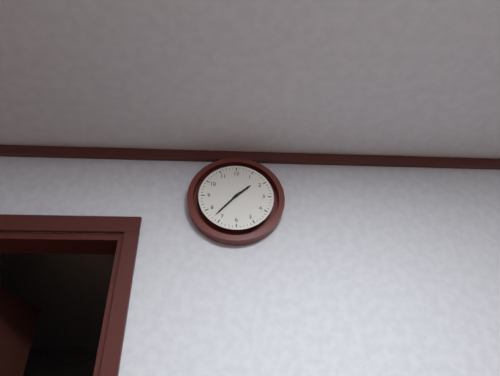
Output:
1.37
